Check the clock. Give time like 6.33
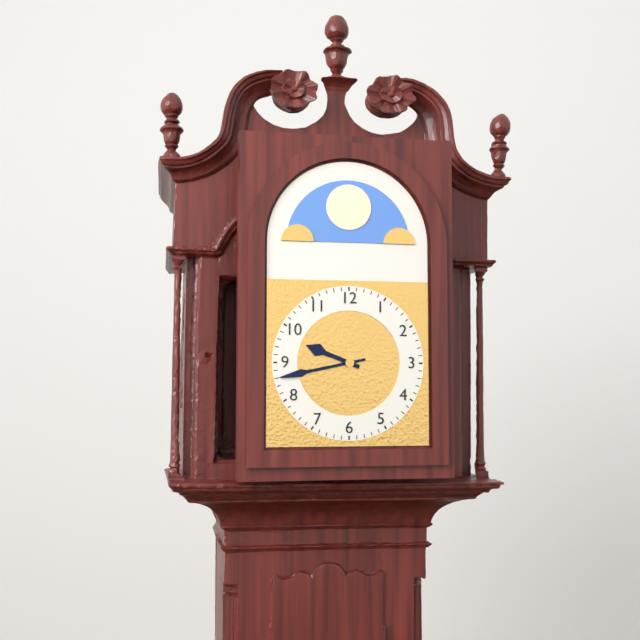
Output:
9.43
